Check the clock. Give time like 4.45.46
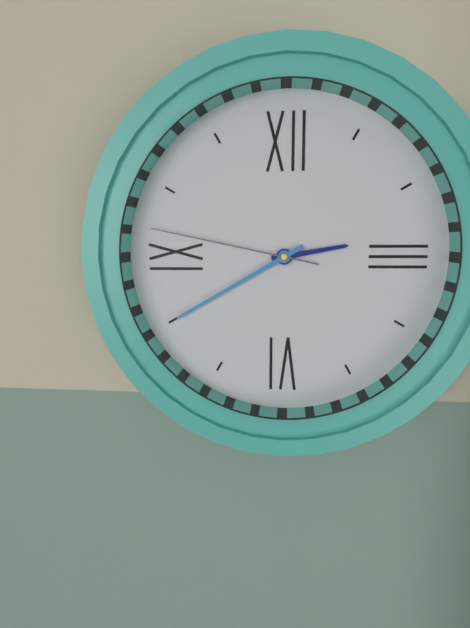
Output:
2.40.47
